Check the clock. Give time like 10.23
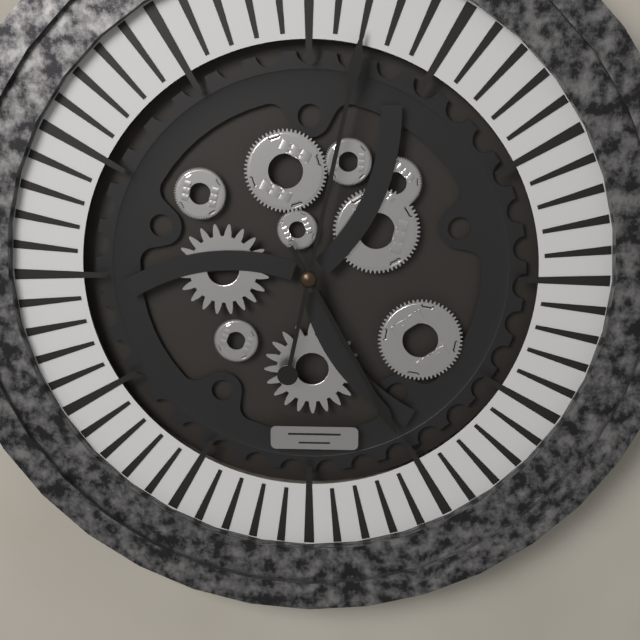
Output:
5.02
